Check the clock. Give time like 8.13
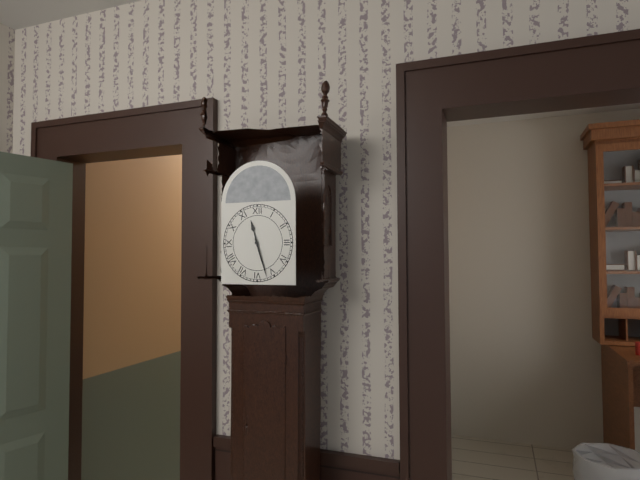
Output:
11.27
